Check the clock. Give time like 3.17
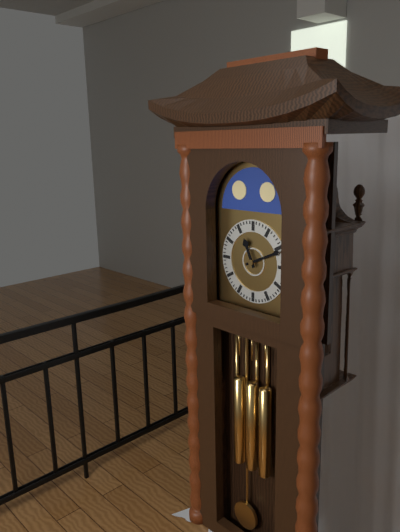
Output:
11.11
